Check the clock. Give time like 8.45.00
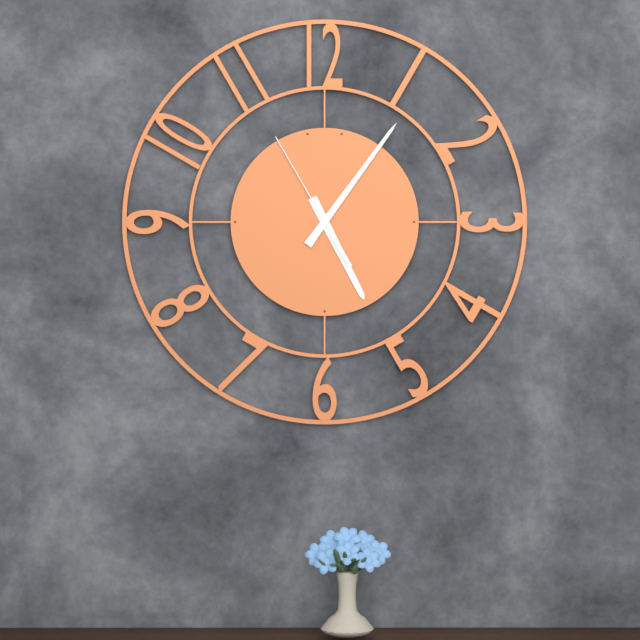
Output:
5.06.55
